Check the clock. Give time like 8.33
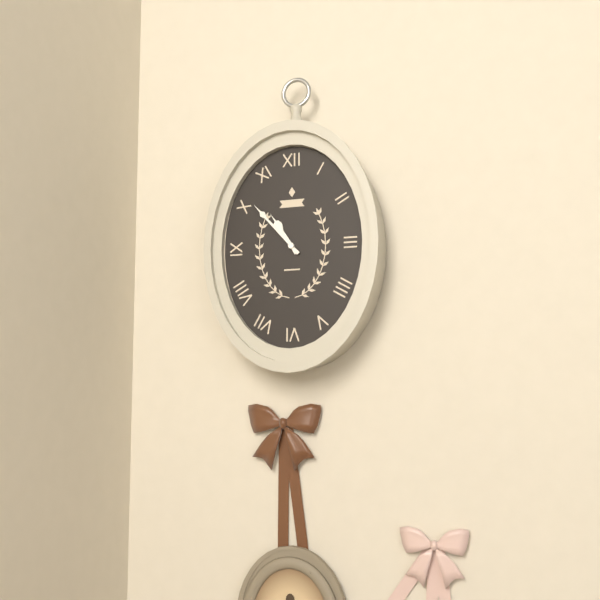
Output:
10.53
